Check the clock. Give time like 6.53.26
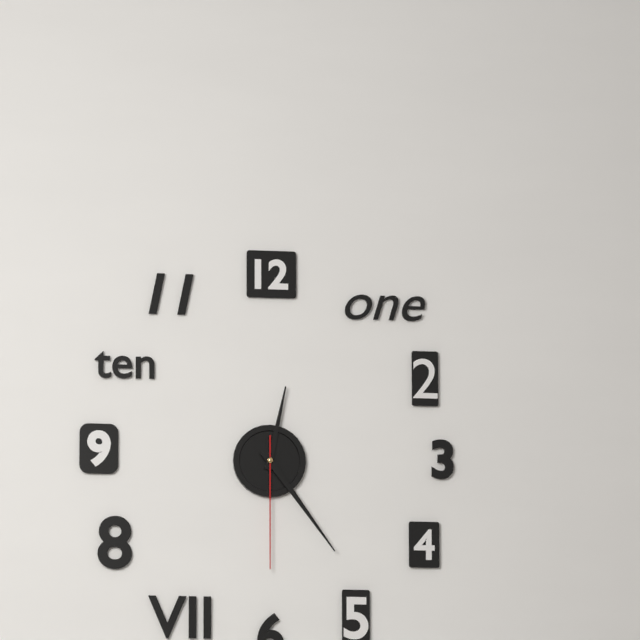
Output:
12.24.30
